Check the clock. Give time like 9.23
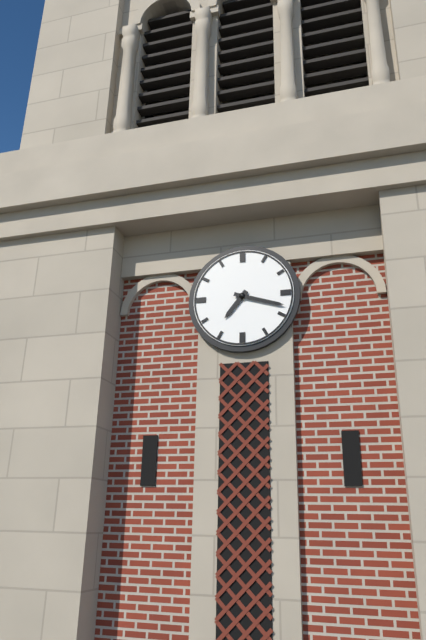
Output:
7.18
